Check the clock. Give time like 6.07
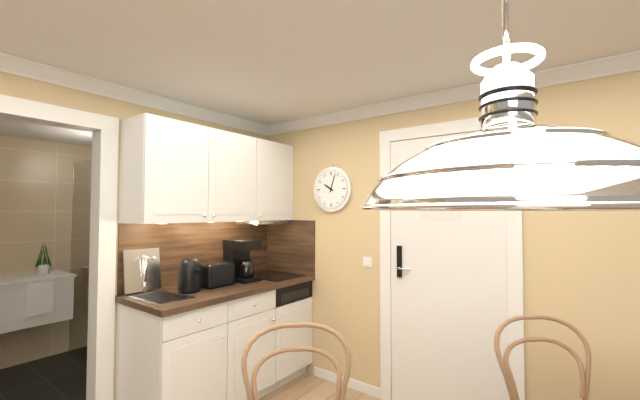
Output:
10.03
